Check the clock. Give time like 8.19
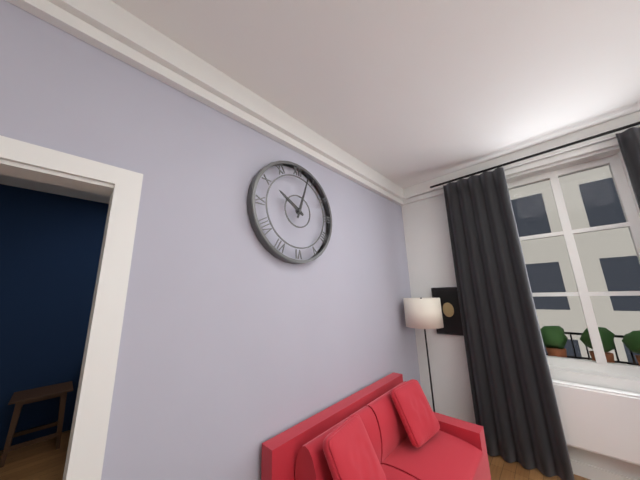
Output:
10.03
